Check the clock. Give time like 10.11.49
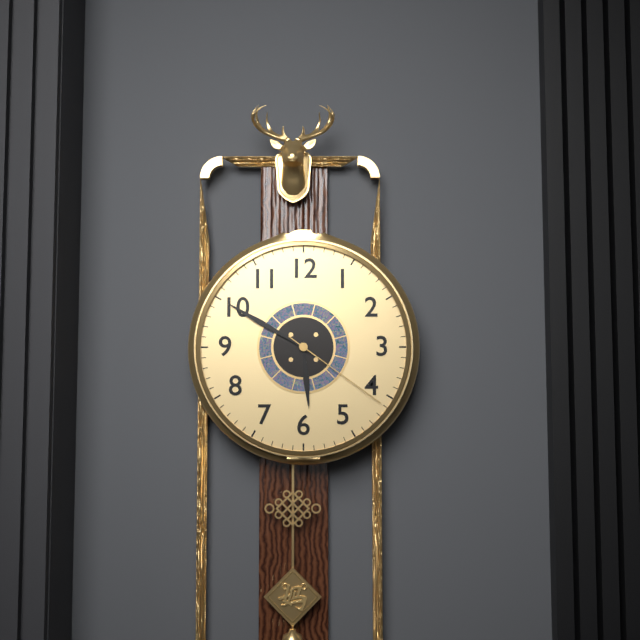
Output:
5.50.21
